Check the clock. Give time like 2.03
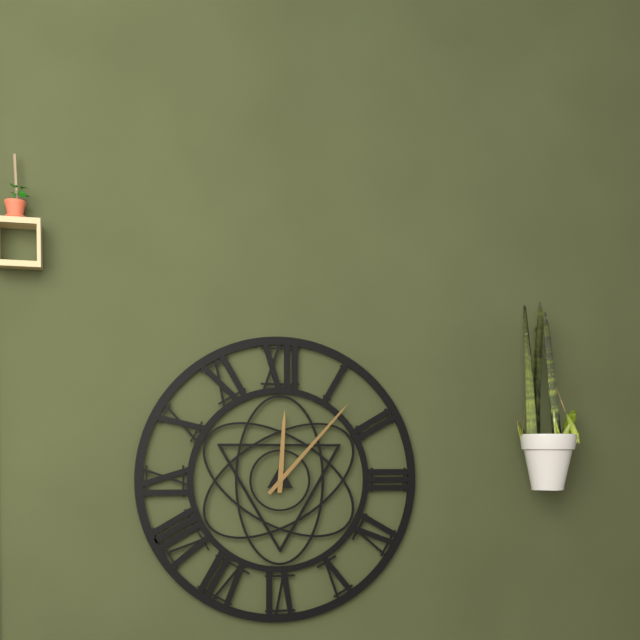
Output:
12.07
